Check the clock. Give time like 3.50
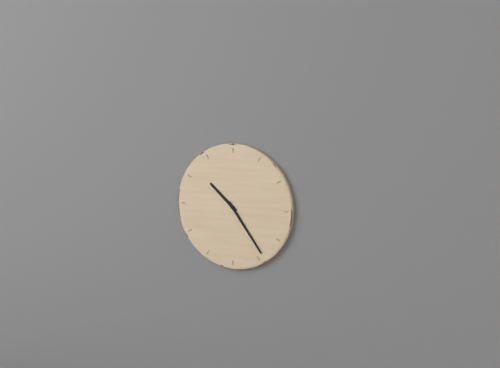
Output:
10.24
